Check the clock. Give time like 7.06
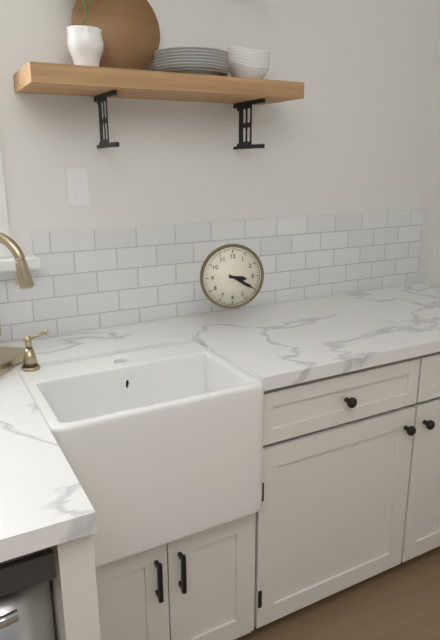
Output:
3.20
